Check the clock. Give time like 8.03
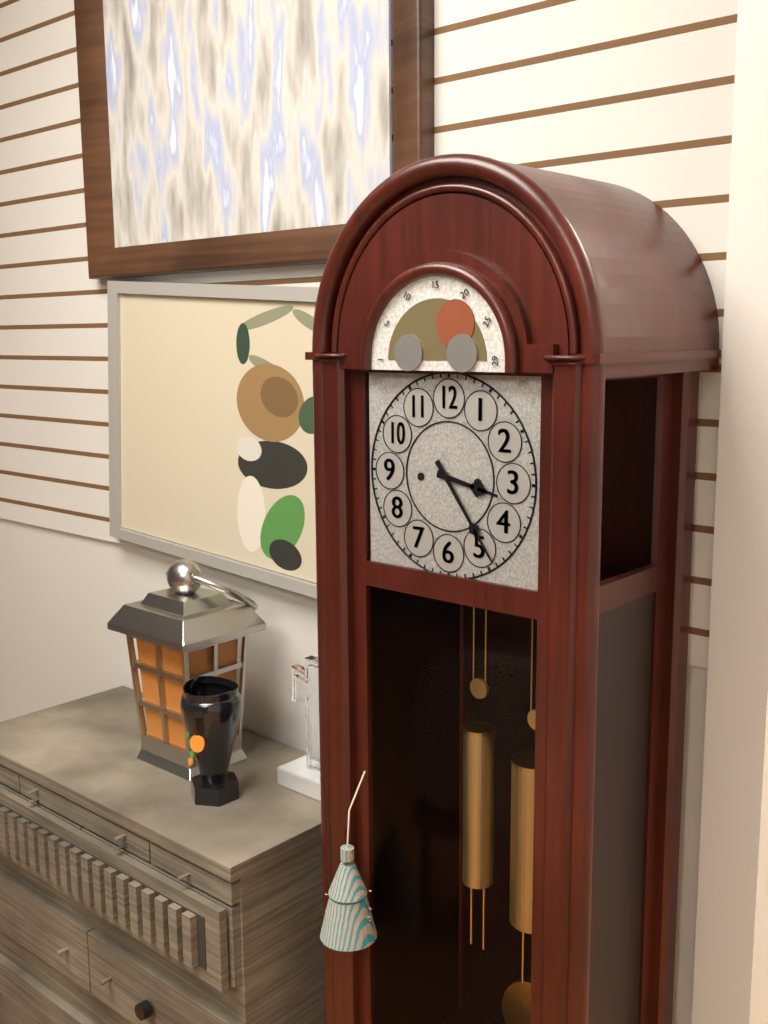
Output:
3.24
